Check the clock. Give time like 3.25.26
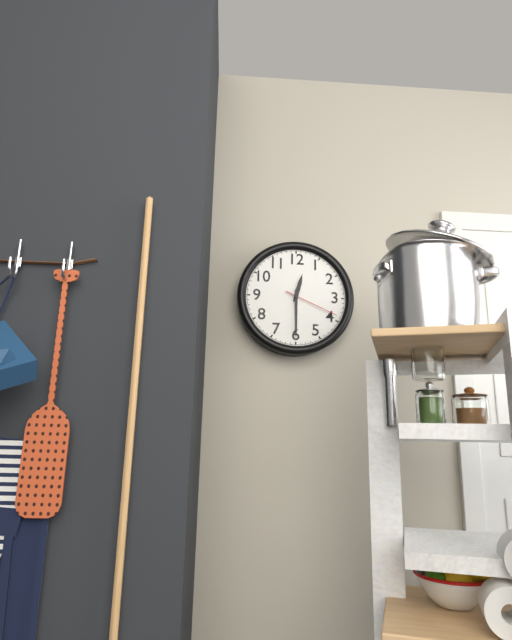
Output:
12.30.19
